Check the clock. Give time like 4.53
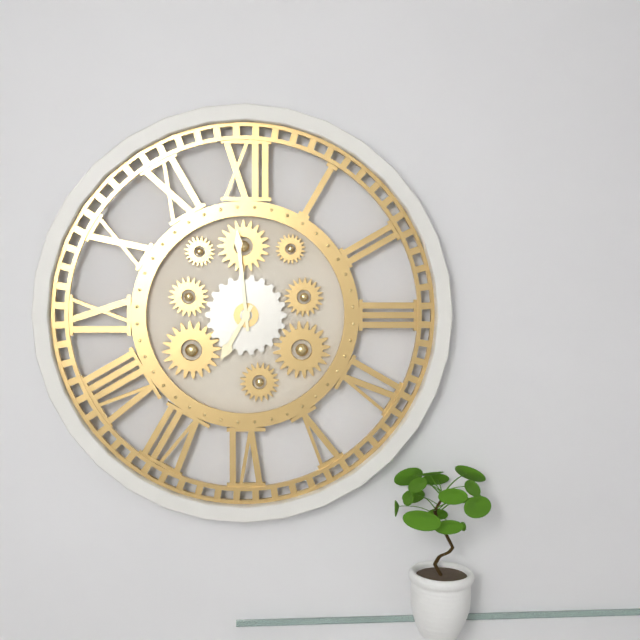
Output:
6.59
